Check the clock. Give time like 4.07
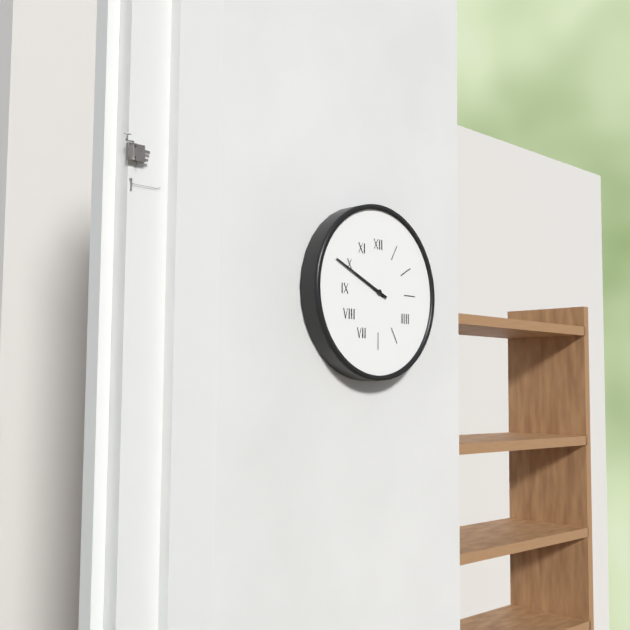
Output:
9.49
